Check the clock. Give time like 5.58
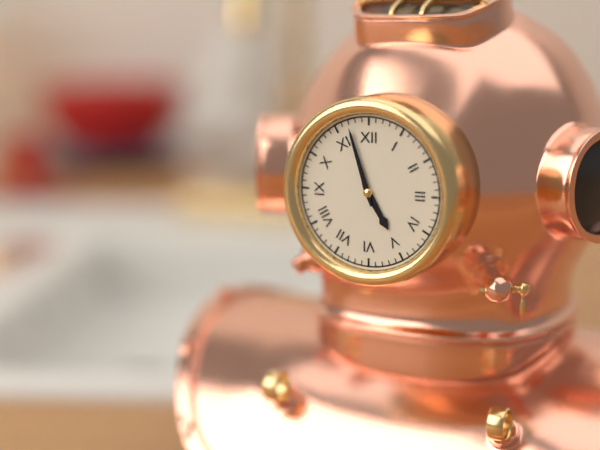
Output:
4.57
